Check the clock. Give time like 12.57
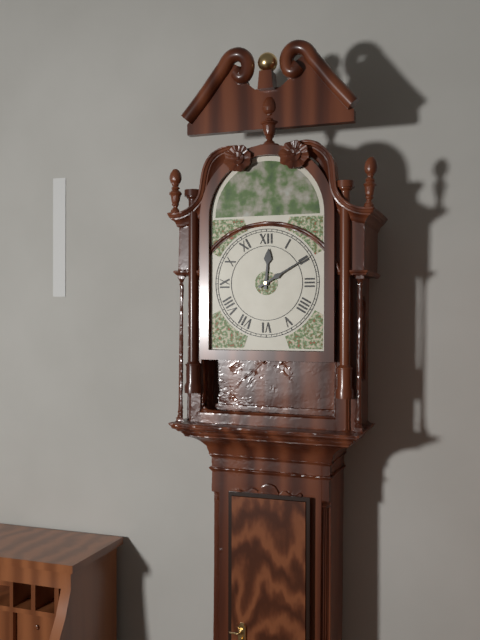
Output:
12.10
